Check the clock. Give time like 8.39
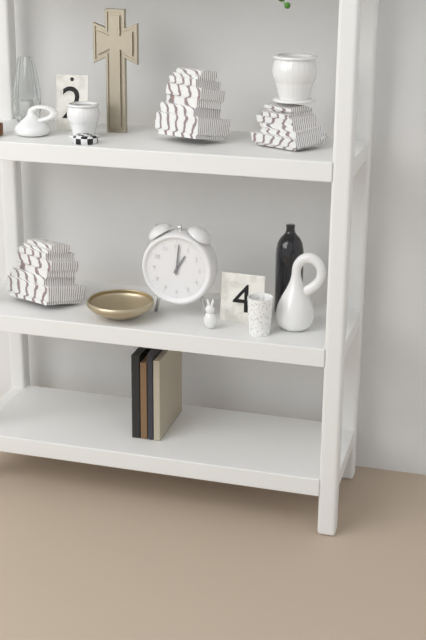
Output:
1.01
